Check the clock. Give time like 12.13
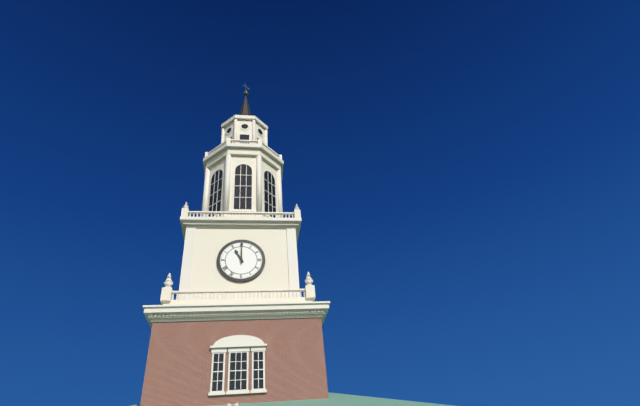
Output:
11.00
